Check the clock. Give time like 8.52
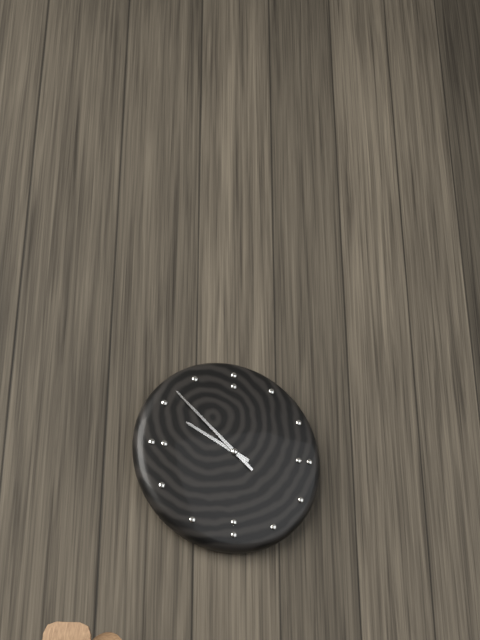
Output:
9.52
